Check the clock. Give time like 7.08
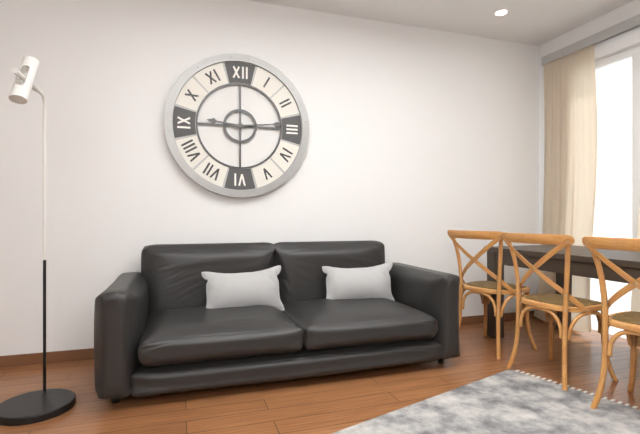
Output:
9.14
